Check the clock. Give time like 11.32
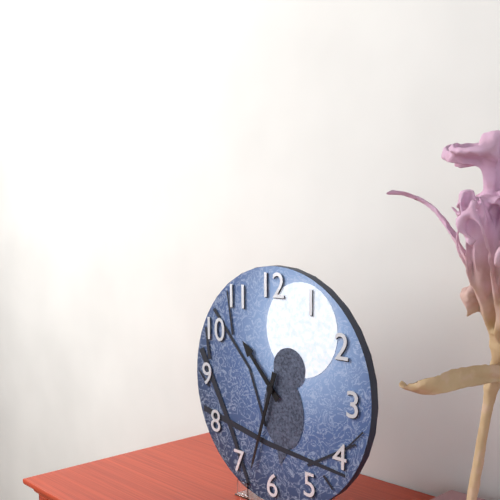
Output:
10.33
